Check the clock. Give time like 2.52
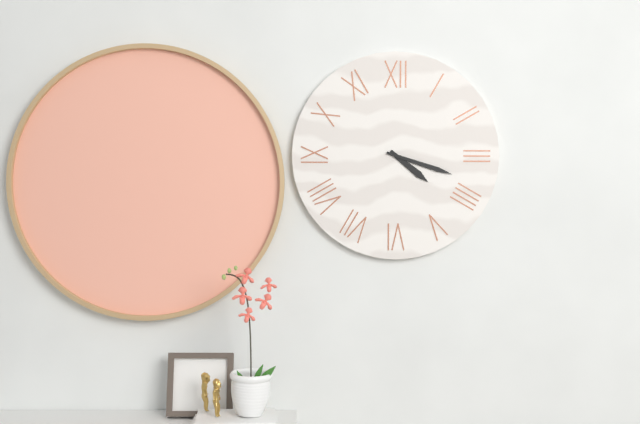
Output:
4.18
